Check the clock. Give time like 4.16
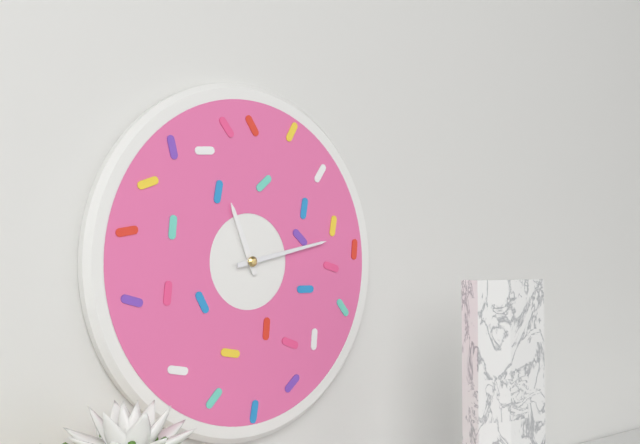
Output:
11.13
